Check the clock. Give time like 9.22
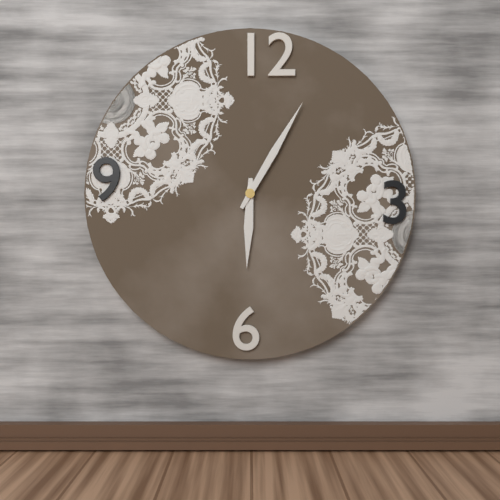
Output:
6.05
